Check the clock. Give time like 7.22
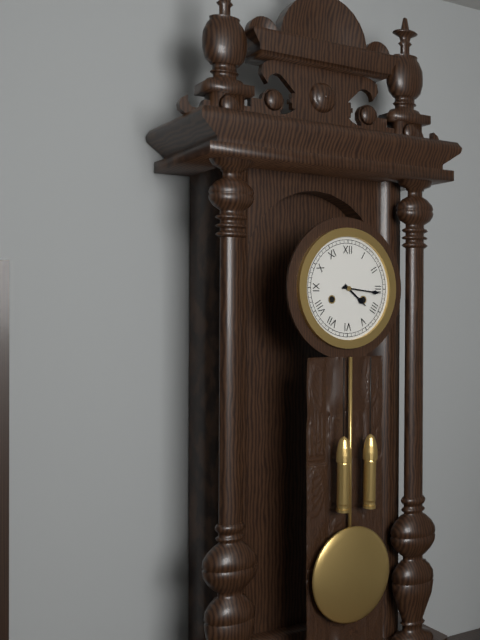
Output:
4.16
